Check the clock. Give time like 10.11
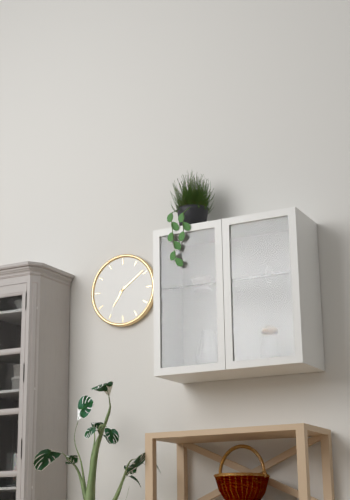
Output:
7.09
